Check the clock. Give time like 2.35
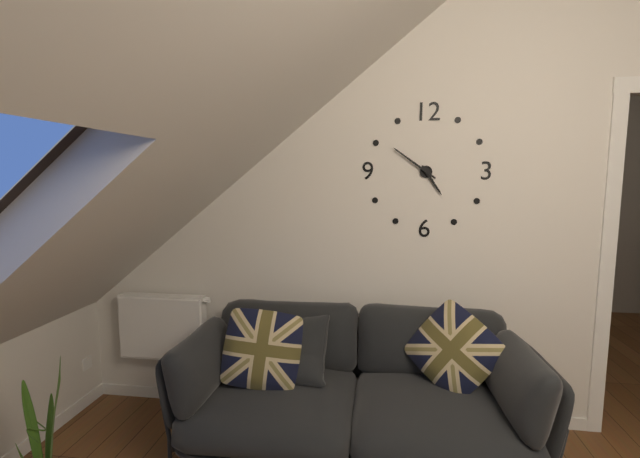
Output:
4.51
